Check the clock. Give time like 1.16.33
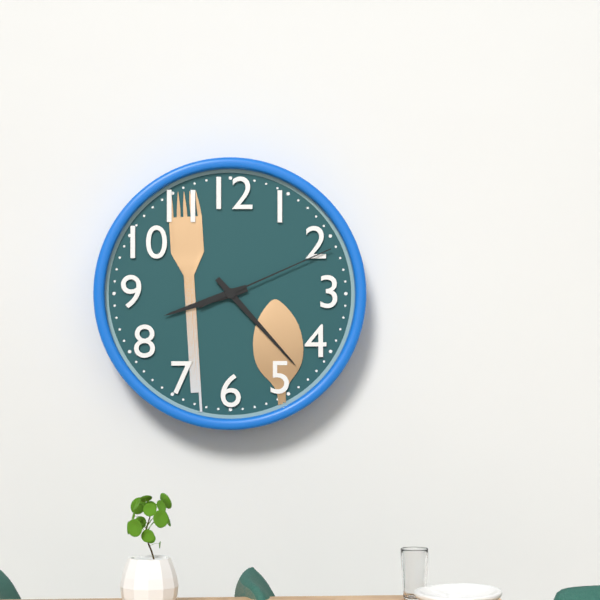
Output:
8.23.11
